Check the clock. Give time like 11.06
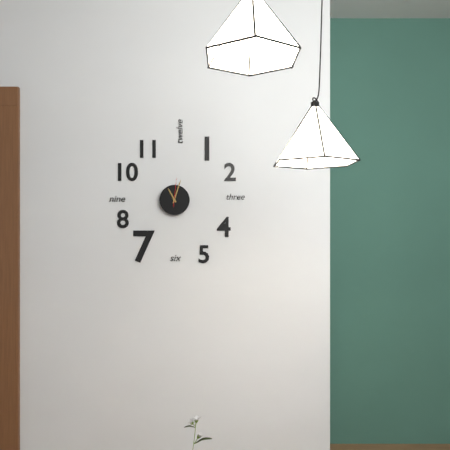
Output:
11.03
